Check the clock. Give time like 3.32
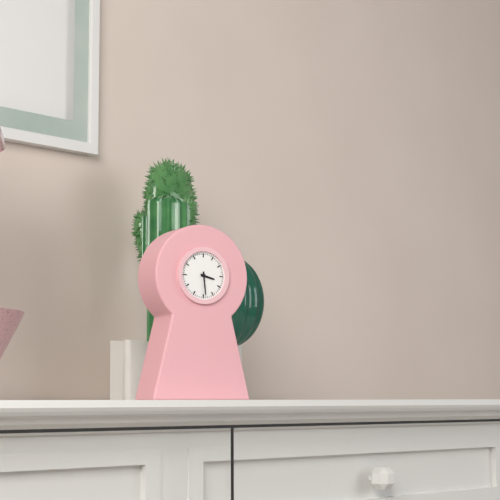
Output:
3.29
